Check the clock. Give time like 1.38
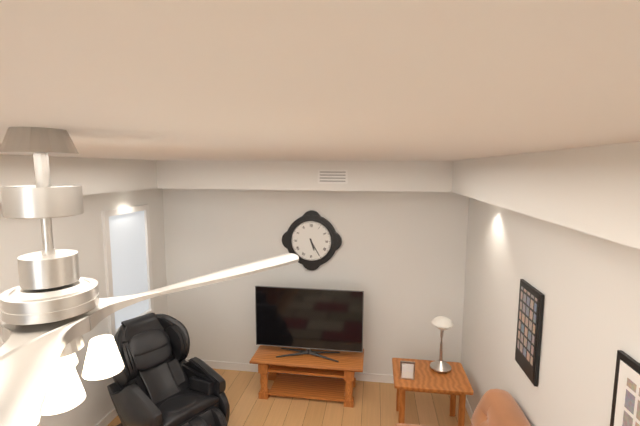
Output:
5.25
